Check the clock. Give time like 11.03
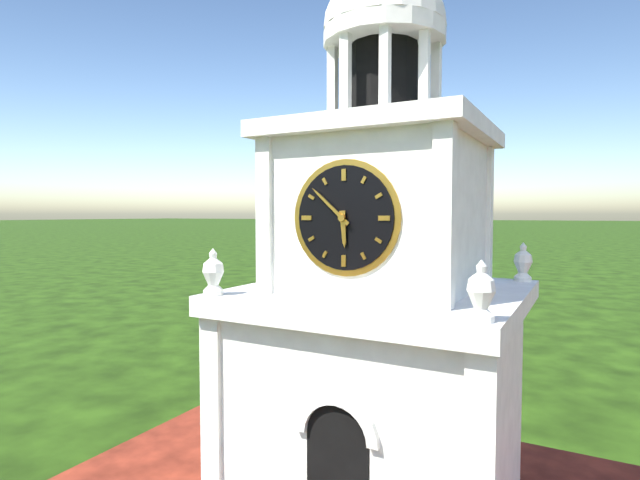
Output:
5.52
